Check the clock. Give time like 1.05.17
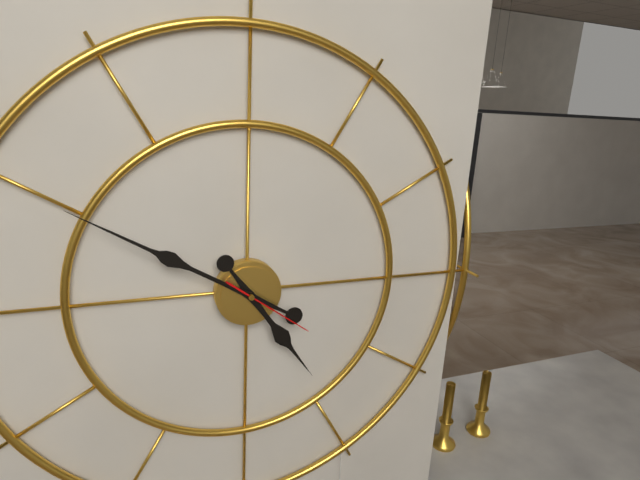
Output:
4.50.21
